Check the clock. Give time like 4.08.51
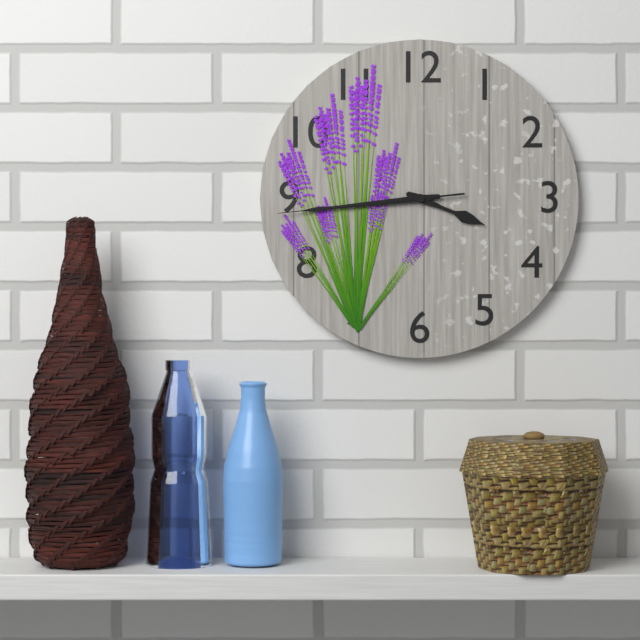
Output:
3.44.44
